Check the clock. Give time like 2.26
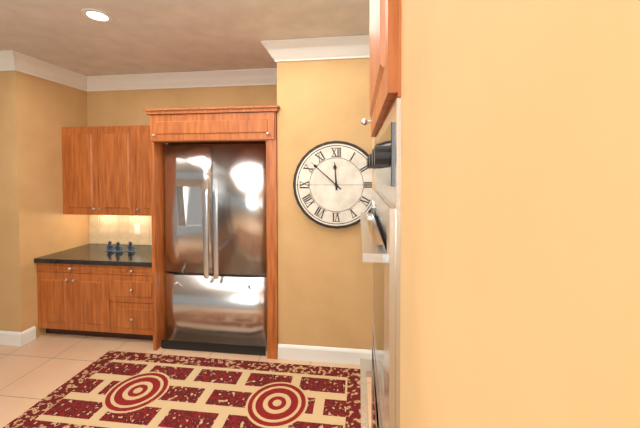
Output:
11.52
